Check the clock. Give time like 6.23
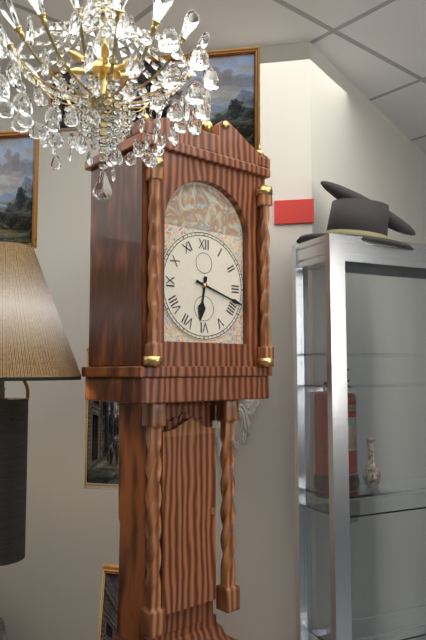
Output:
6.18
